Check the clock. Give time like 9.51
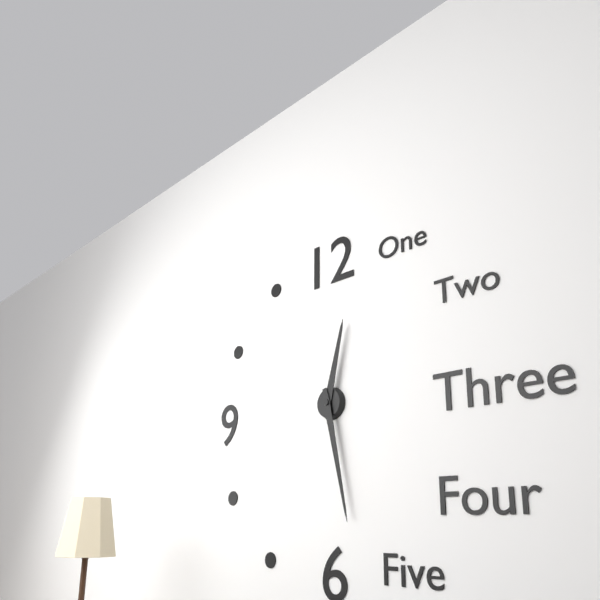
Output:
12.28
